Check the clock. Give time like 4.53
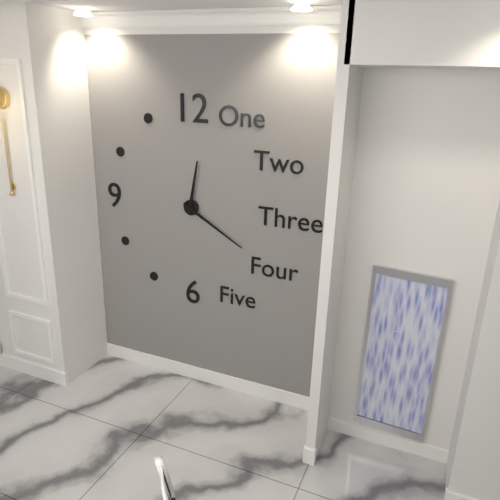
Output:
12.20
